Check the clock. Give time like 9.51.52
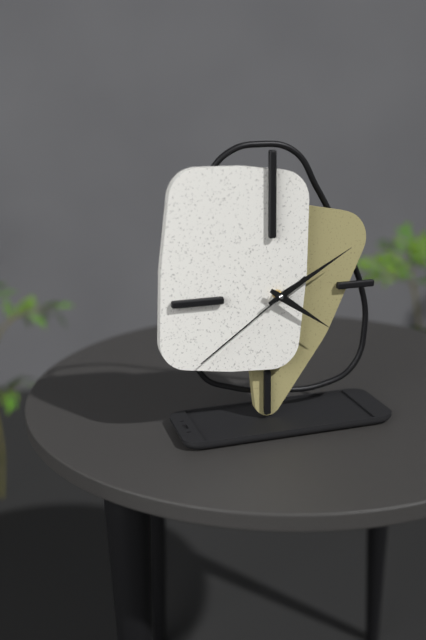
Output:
4.10.39
